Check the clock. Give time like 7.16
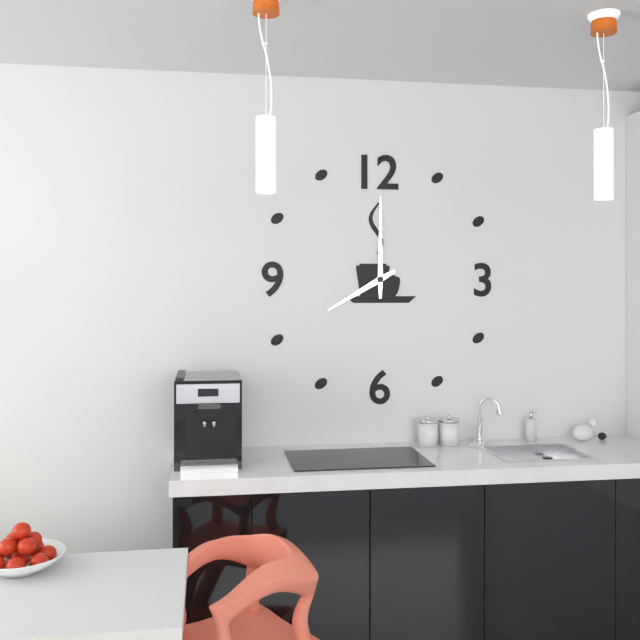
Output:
8.00
